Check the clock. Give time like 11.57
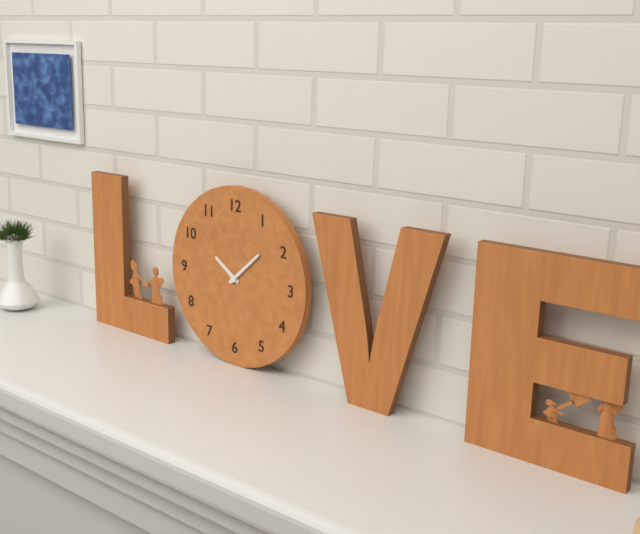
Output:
10.08
